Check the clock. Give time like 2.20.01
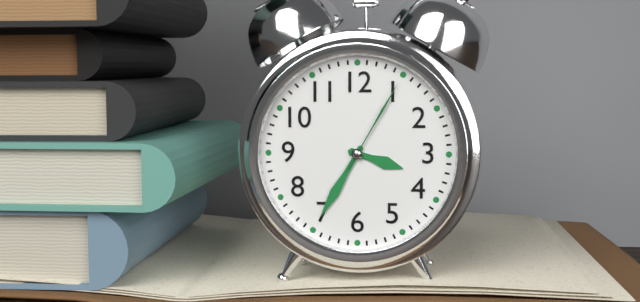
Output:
3.35.05
